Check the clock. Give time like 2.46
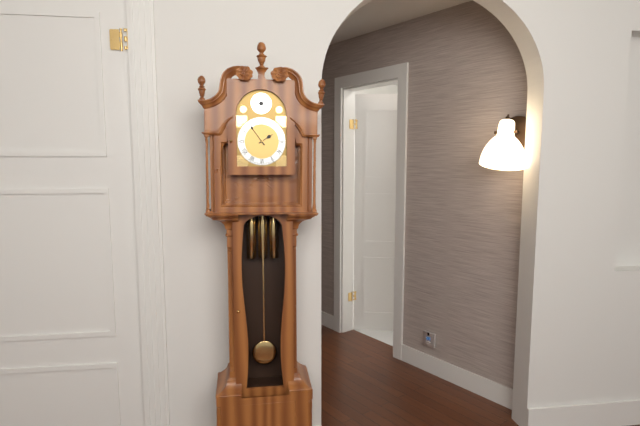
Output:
1.54
